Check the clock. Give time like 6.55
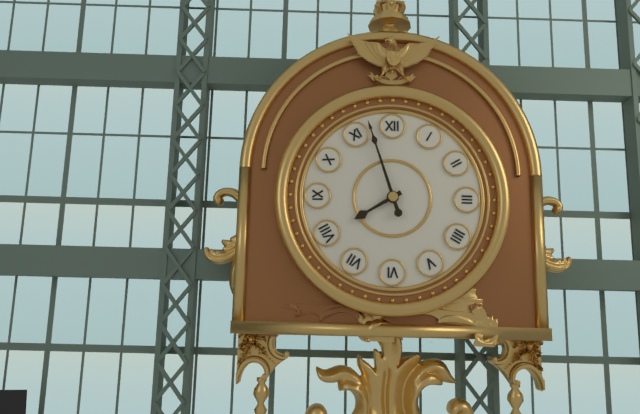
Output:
7.57
